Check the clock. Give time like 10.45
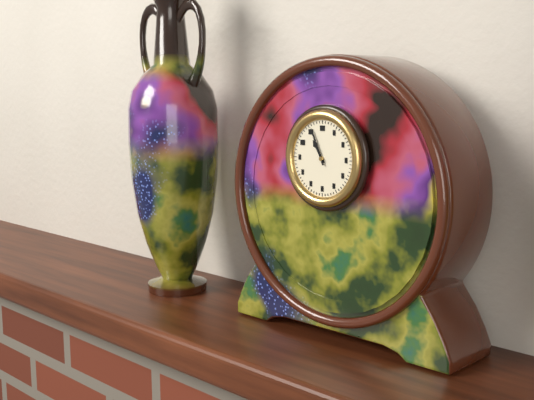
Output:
10.56
